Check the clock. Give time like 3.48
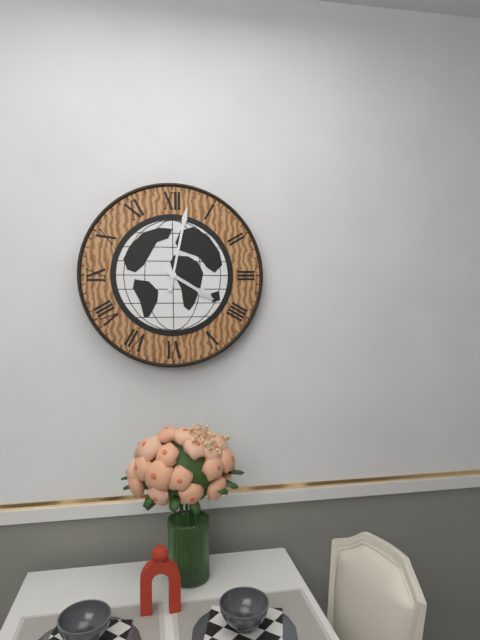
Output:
4.02
